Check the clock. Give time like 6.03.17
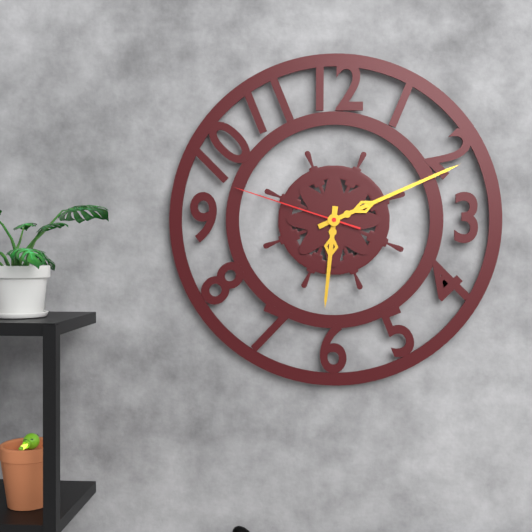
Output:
6.11.48
